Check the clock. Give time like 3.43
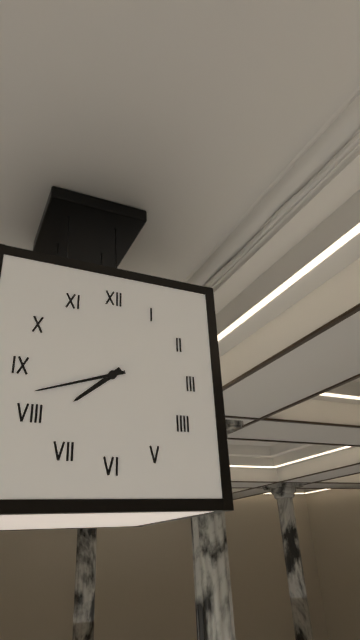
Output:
7.42
